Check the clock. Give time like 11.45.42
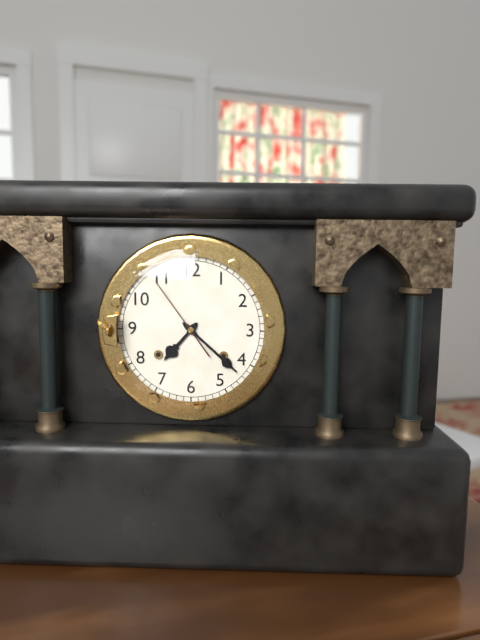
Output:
7.22.54
